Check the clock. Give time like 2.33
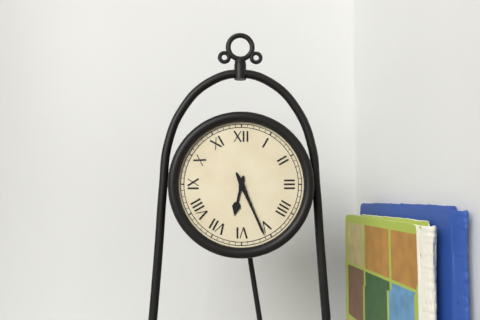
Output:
6.26
